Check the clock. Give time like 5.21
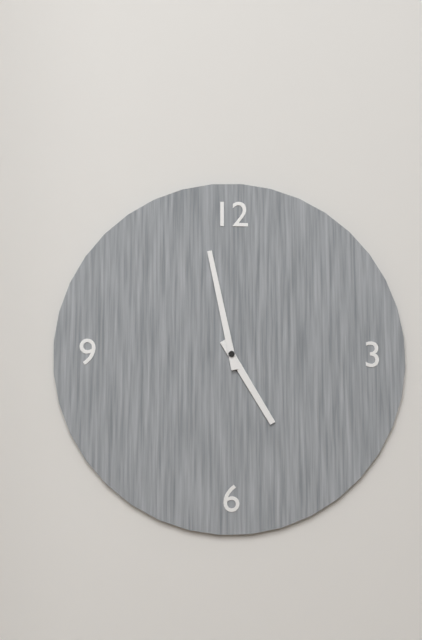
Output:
4.58
